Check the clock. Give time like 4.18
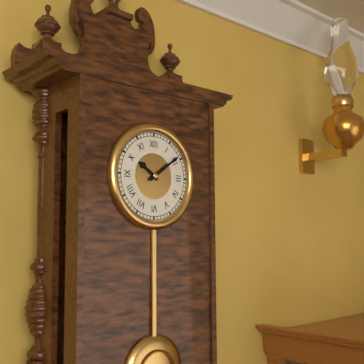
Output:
10.09
